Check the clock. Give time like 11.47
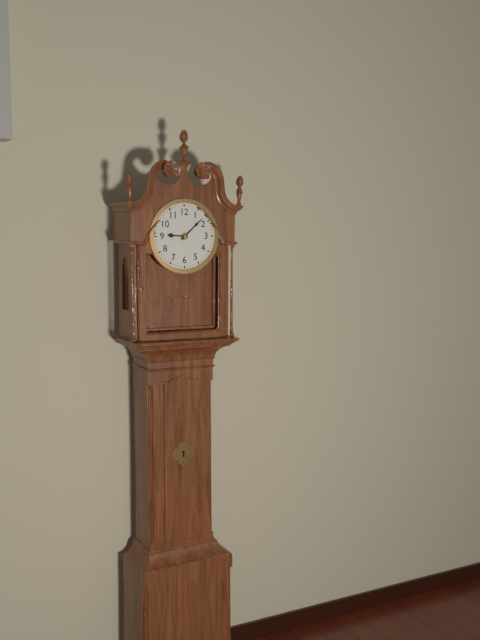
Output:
9.08
